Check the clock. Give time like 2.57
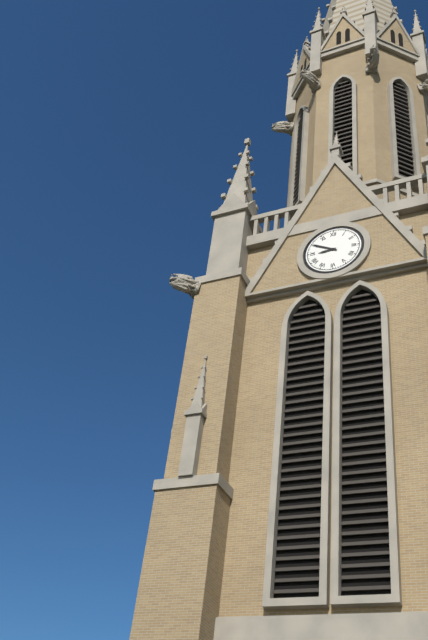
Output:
8.50
